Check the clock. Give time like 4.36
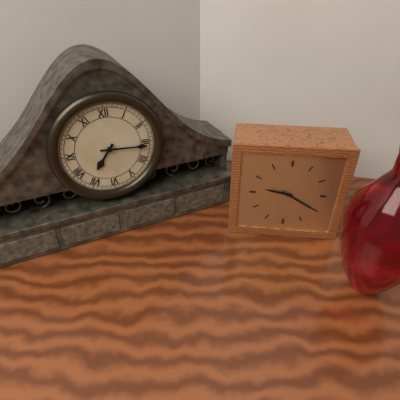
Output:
7.16
